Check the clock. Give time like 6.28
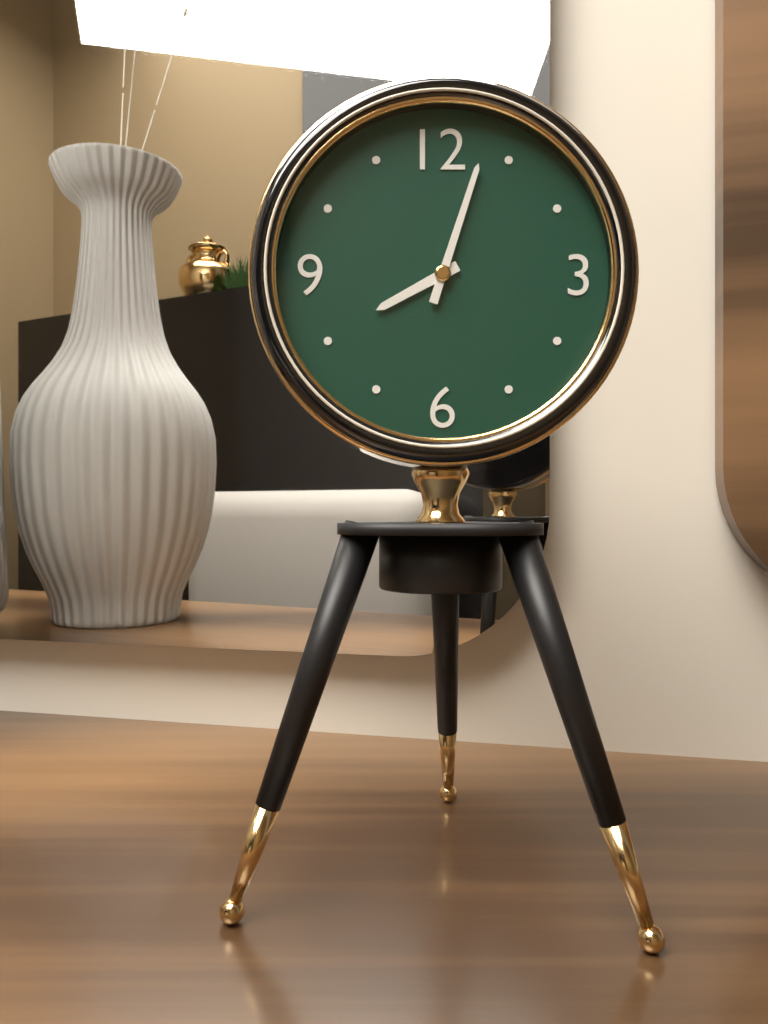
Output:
8.03
